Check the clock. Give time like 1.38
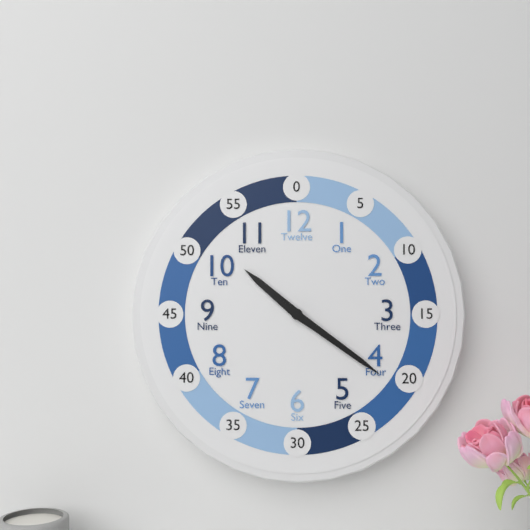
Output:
10.21
